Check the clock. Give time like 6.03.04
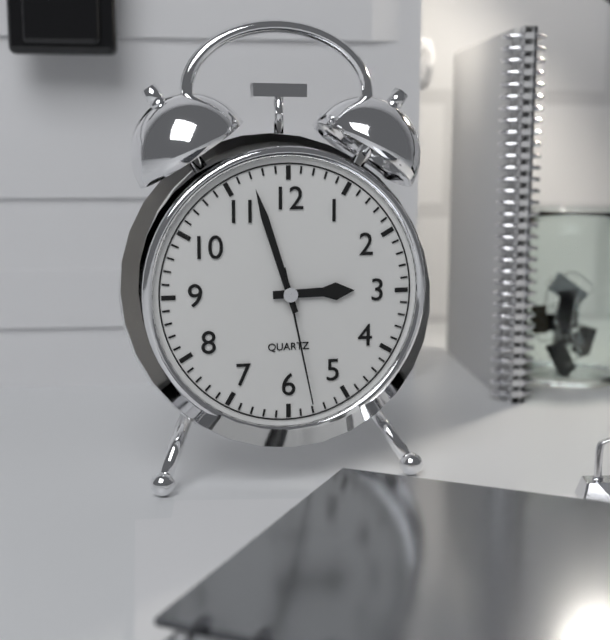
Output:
2.57.28
